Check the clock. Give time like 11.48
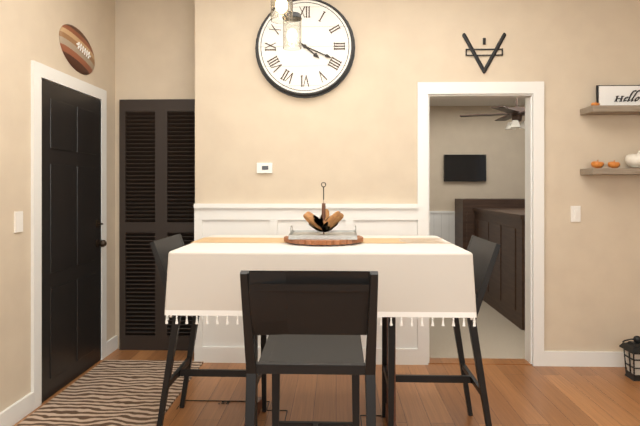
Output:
4.19
